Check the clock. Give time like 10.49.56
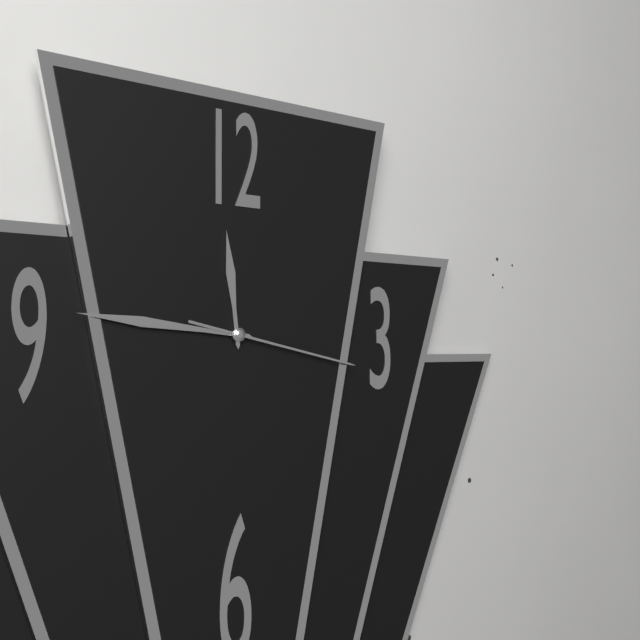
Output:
11.46.17
